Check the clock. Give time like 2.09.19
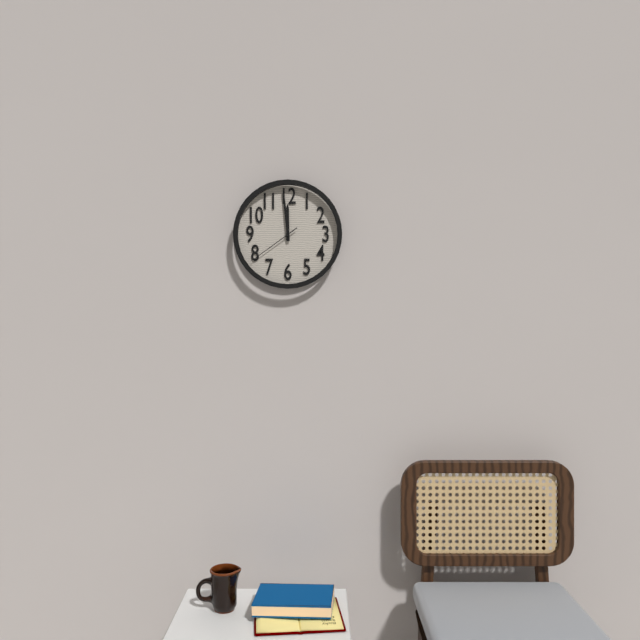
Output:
11.59.39
